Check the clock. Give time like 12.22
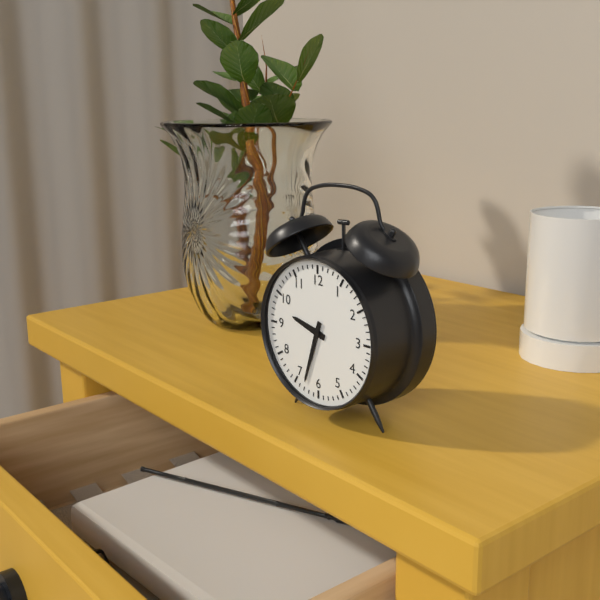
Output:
9.33
